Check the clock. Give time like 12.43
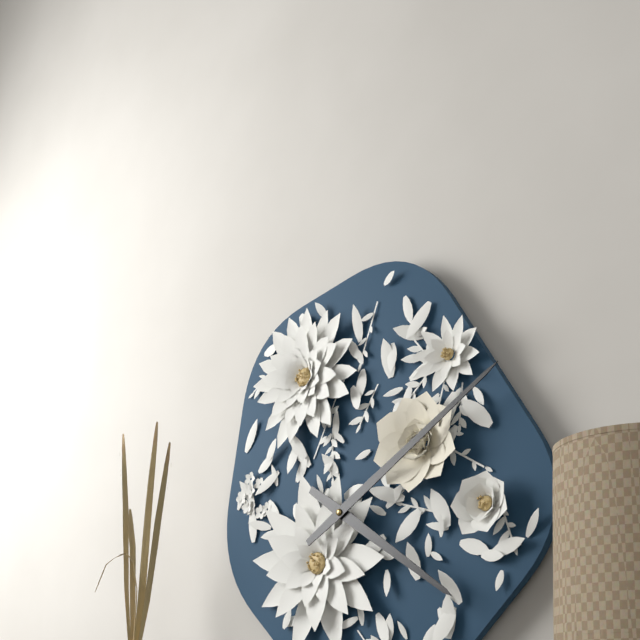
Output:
4.10
